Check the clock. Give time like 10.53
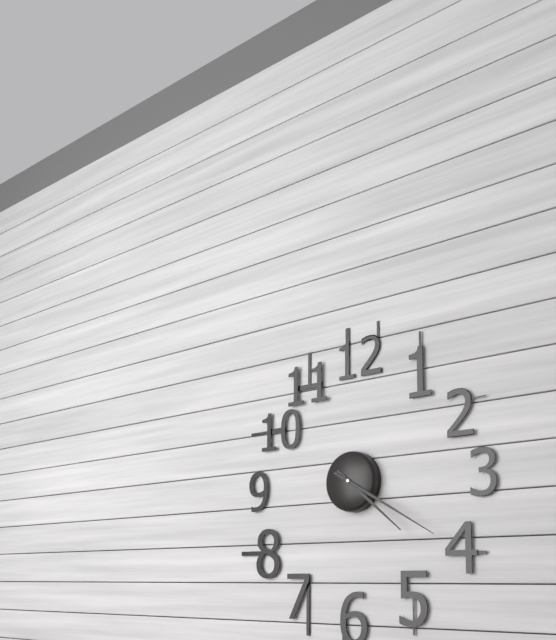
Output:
4.20
